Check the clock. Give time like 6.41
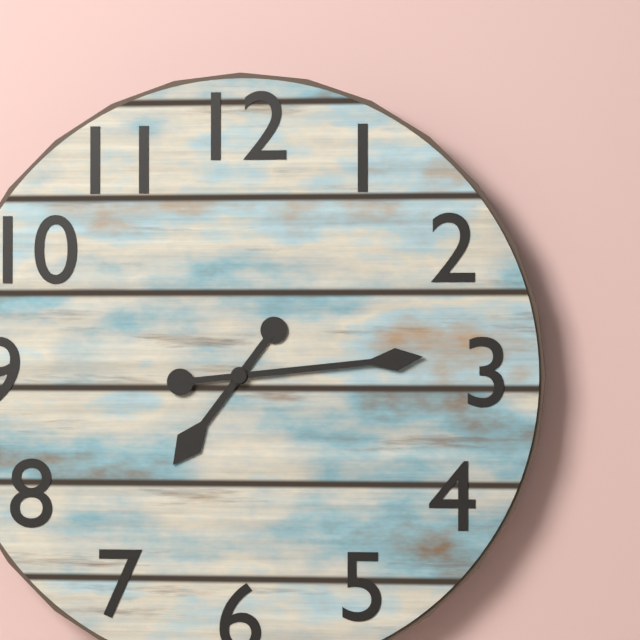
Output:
7.14
